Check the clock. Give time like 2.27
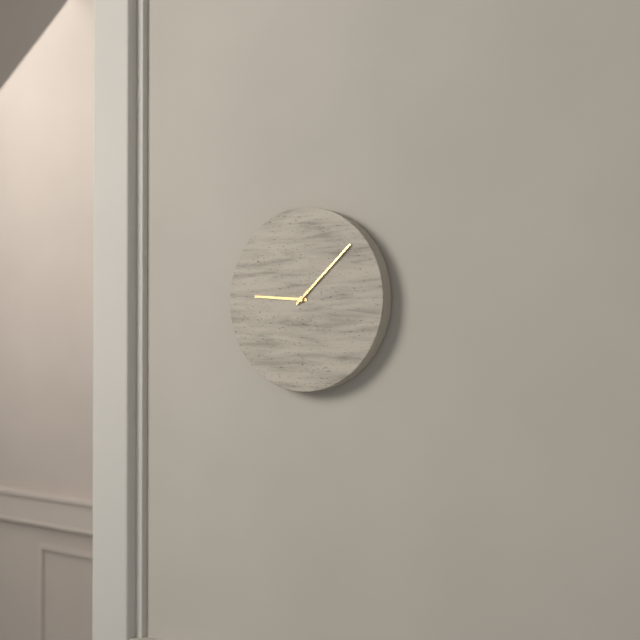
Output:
9.08
